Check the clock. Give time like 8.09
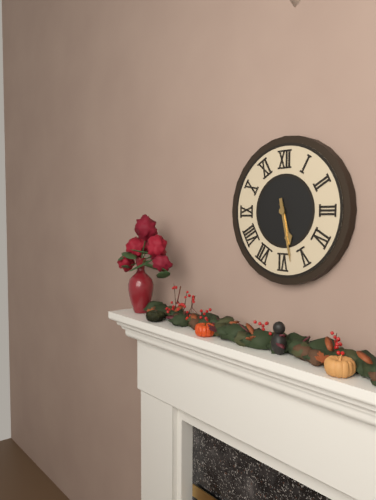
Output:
5.28
